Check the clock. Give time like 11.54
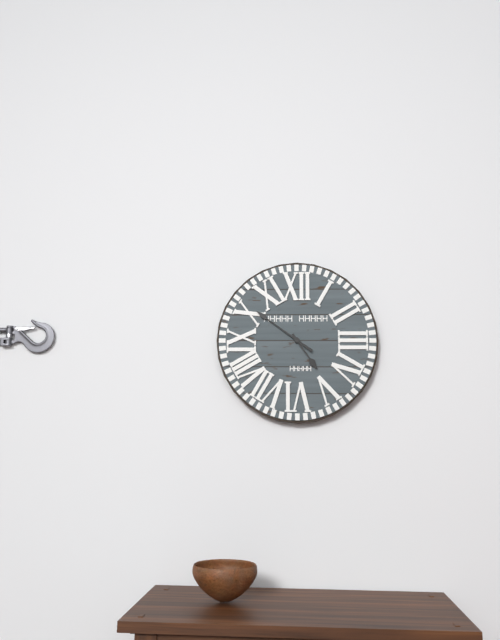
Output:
4.51
